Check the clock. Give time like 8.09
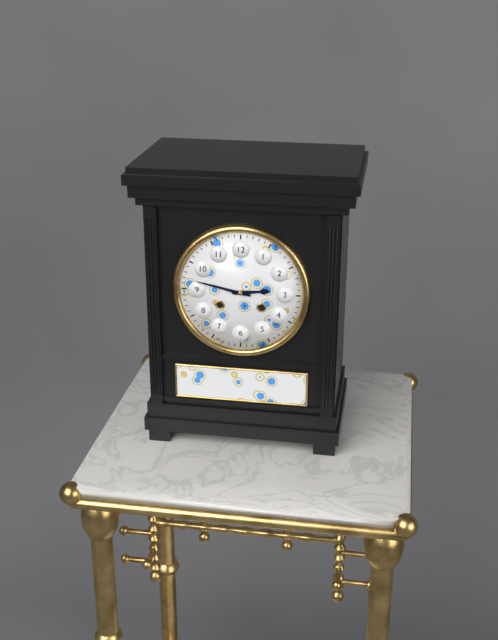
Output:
2.47
